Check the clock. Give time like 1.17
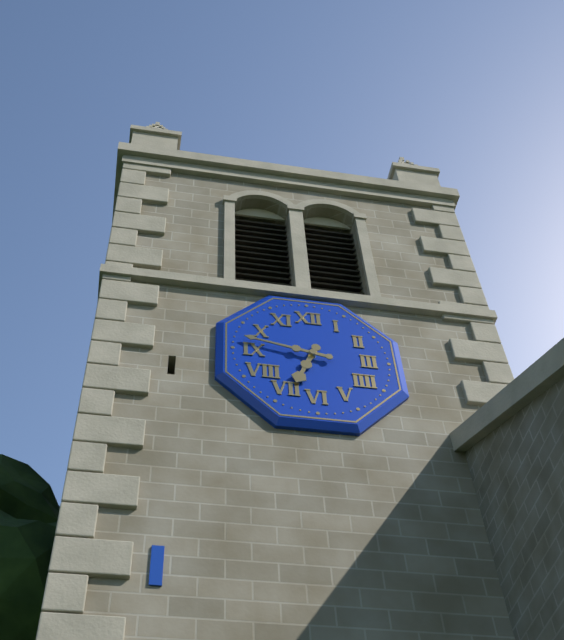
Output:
6.47
